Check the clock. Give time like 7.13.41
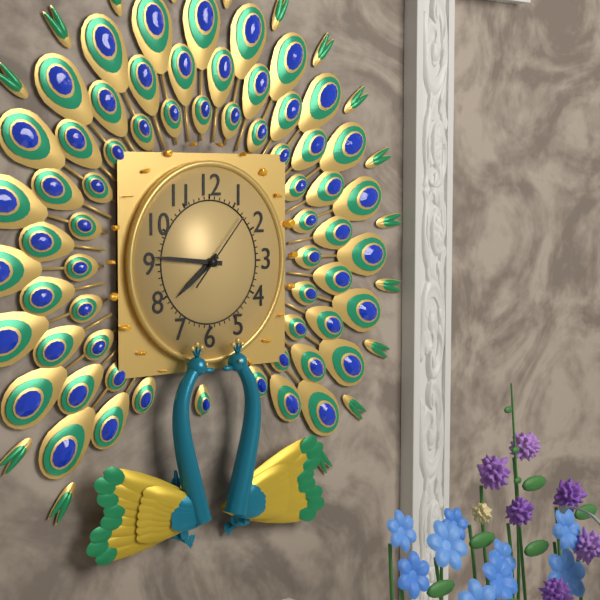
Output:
7.46.07
